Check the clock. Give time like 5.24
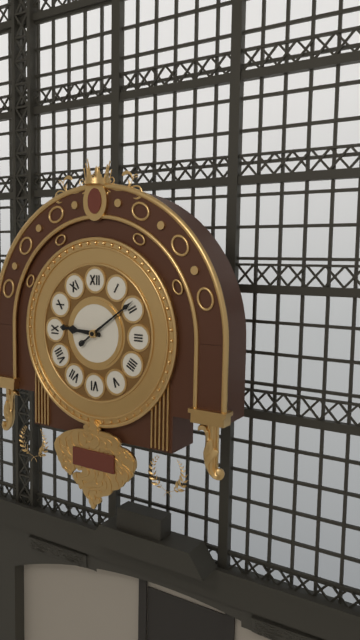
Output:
9.09
